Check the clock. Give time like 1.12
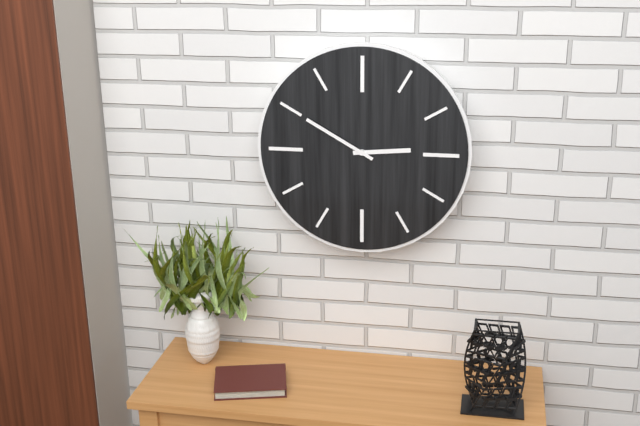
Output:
2.50
